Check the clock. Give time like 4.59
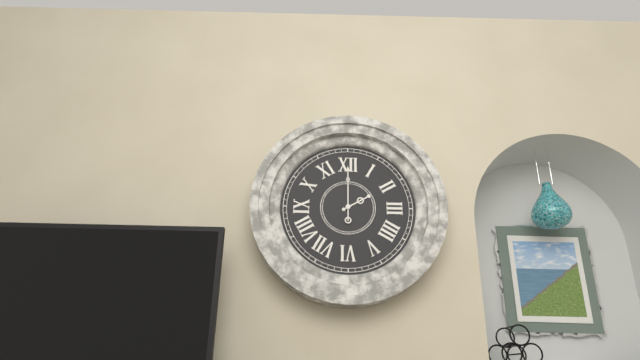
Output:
2.00
